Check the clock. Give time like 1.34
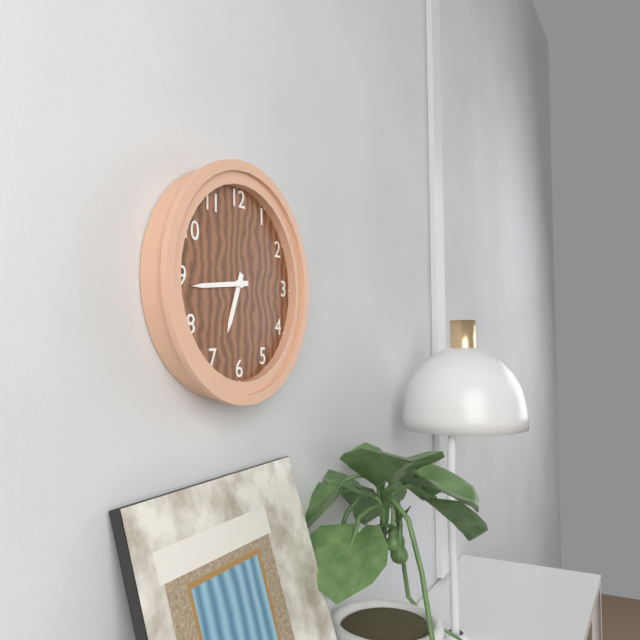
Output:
6.44
